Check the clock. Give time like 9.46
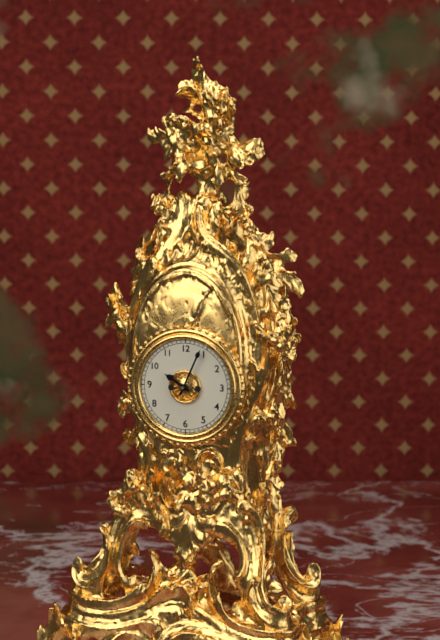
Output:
10.04
